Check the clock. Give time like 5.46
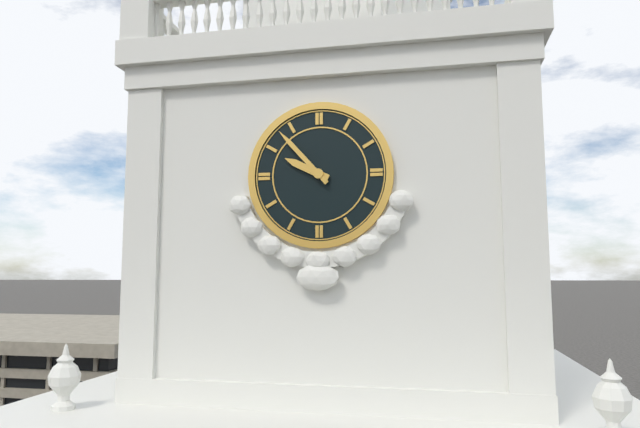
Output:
9.53
